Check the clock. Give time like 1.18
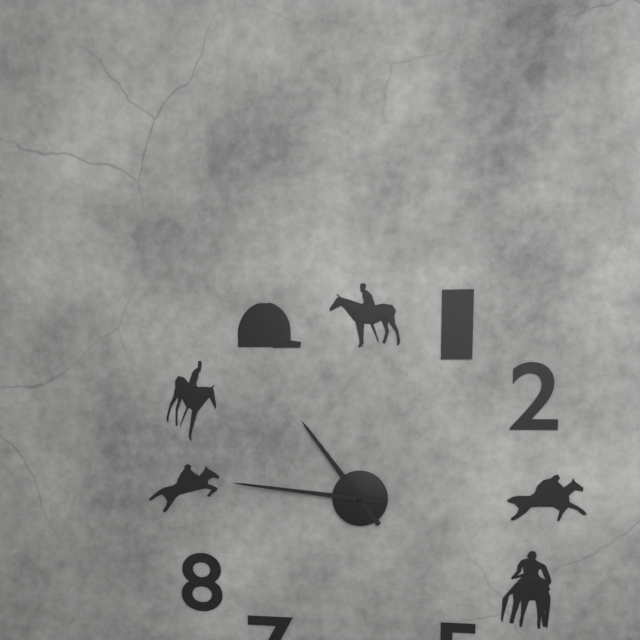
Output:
10.46
